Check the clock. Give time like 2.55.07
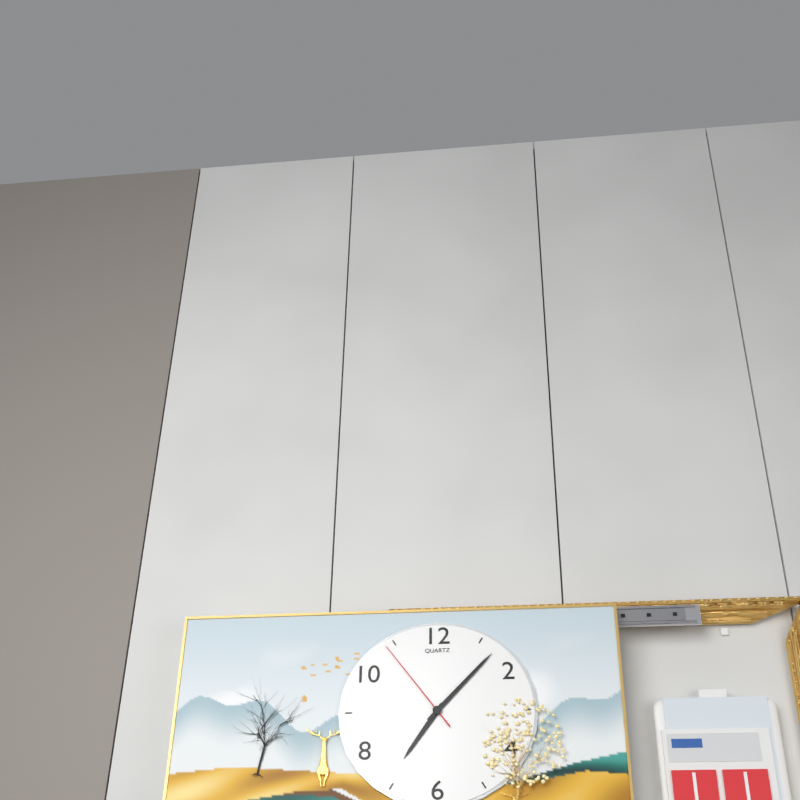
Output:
7.07.54
